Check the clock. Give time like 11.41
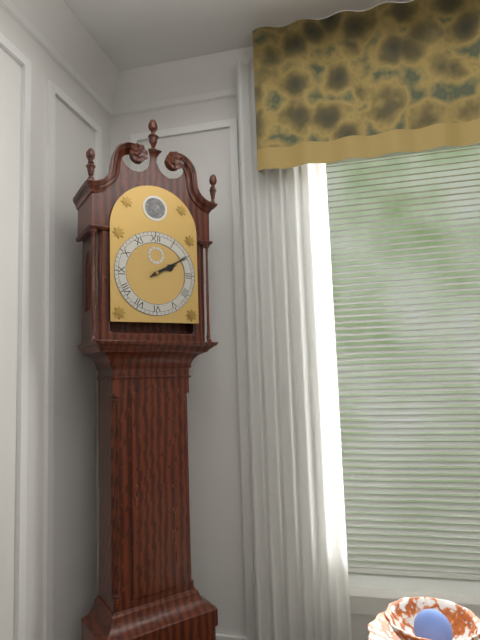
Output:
2.10
